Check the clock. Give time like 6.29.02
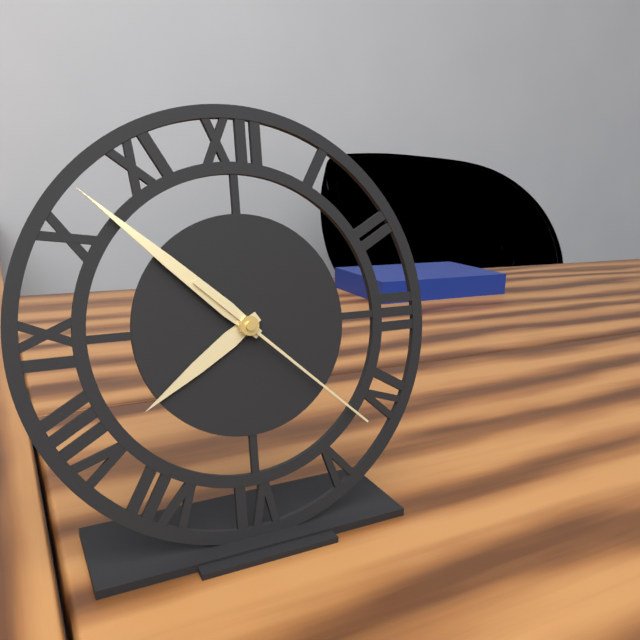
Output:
7.52.22
